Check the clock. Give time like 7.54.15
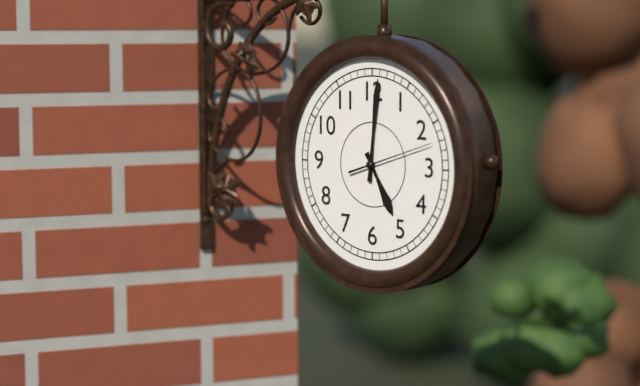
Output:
5.01.12
